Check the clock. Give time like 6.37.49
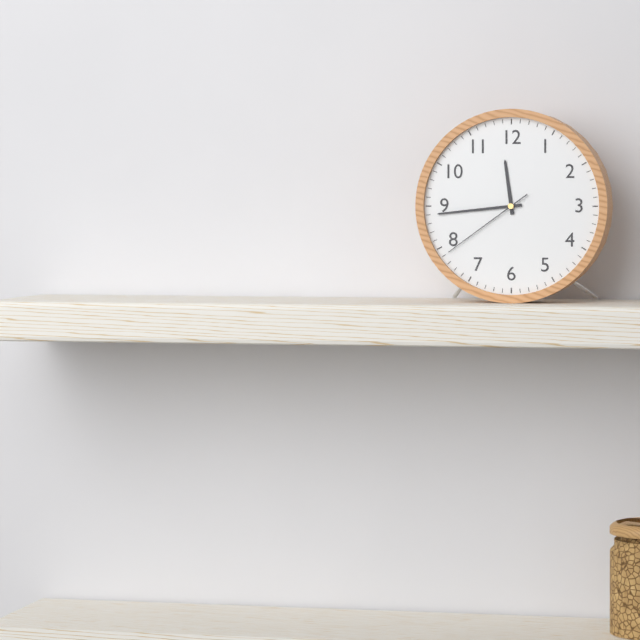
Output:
11.44.39
